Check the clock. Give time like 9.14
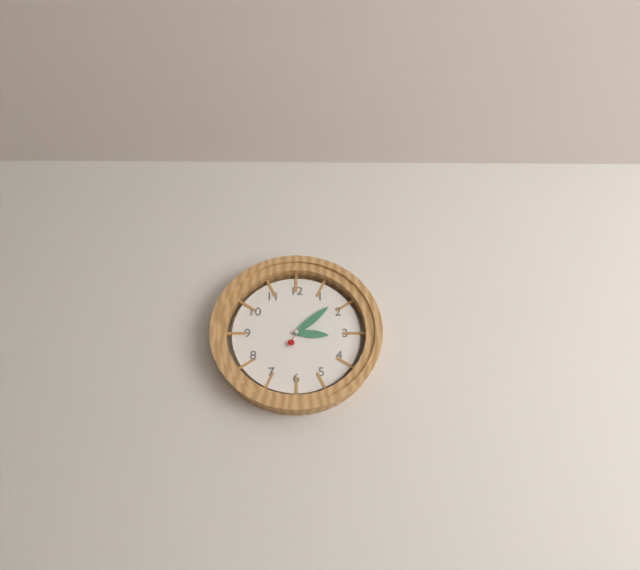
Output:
3.08
